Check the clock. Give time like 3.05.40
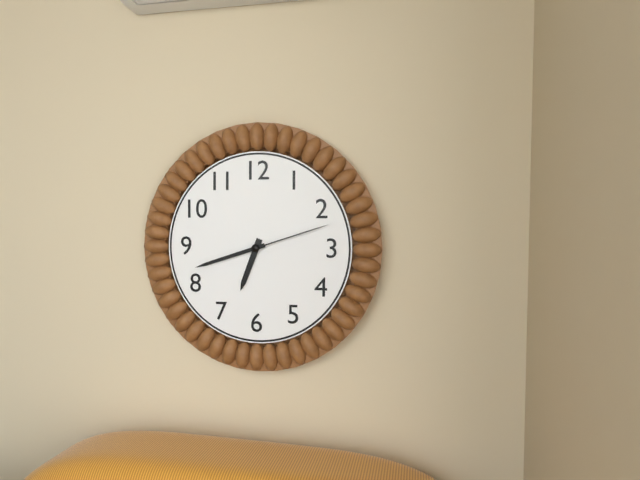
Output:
6.42.12
